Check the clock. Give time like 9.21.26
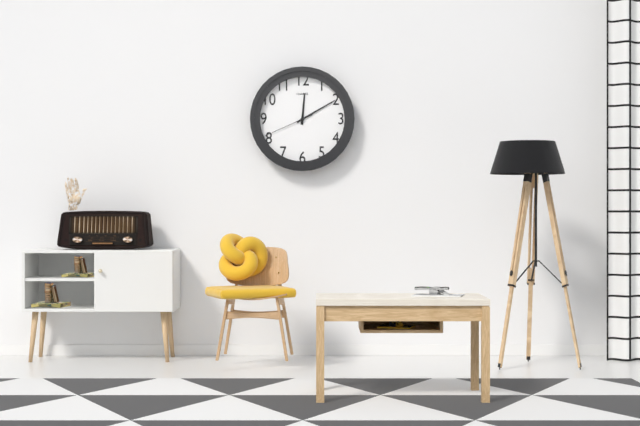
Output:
12.10.41
